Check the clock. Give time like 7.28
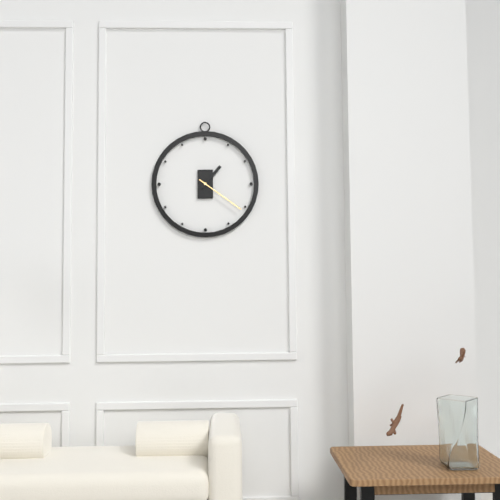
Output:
1.21
